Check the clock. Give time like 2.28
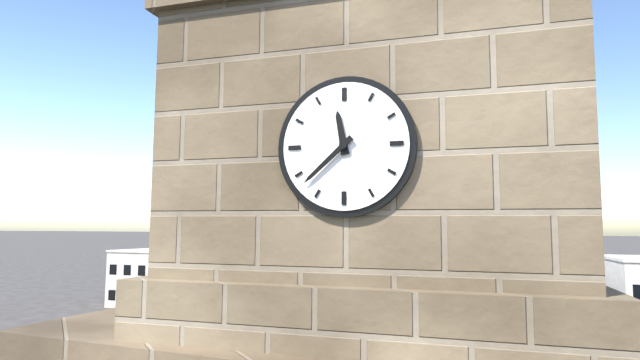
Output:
11.38
